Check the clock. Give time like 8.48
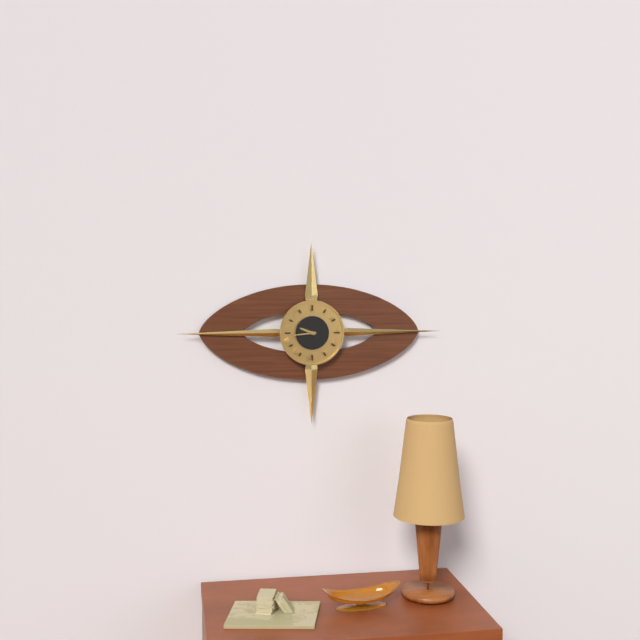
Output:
9.44
